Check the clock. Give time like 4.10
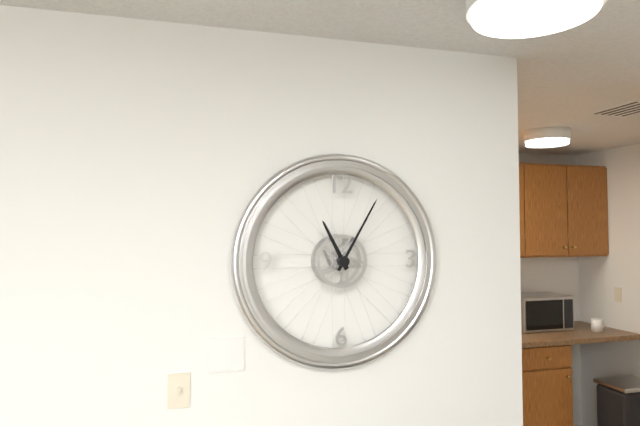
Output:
11.05
